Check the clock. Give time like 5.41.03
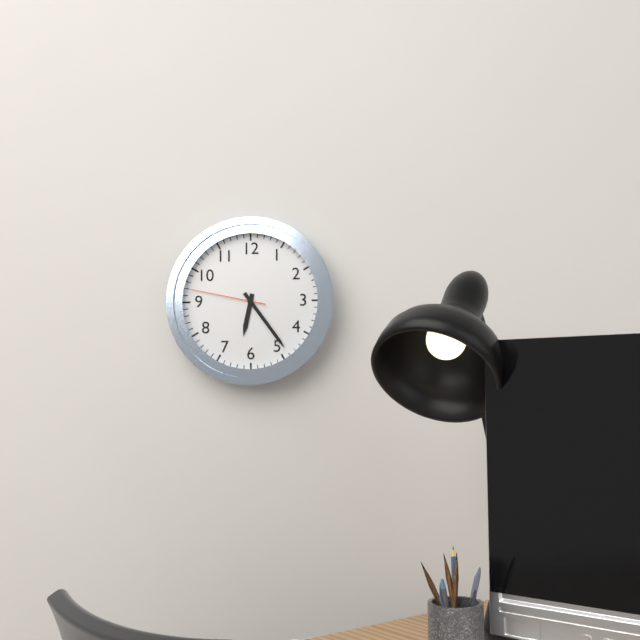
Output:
6.24.47
